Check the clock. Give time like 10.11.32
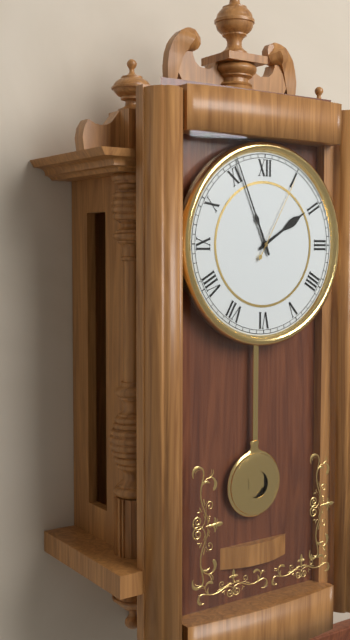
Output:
1.56.05
